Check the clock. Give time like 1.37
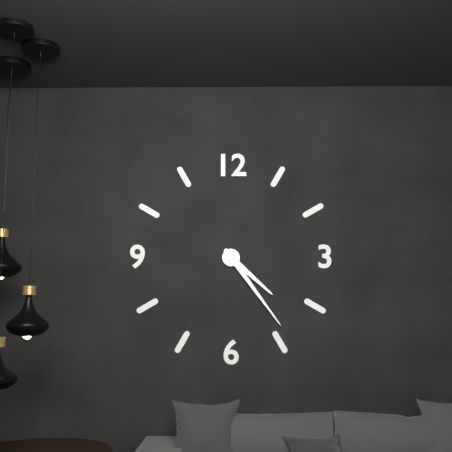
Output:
4.24
